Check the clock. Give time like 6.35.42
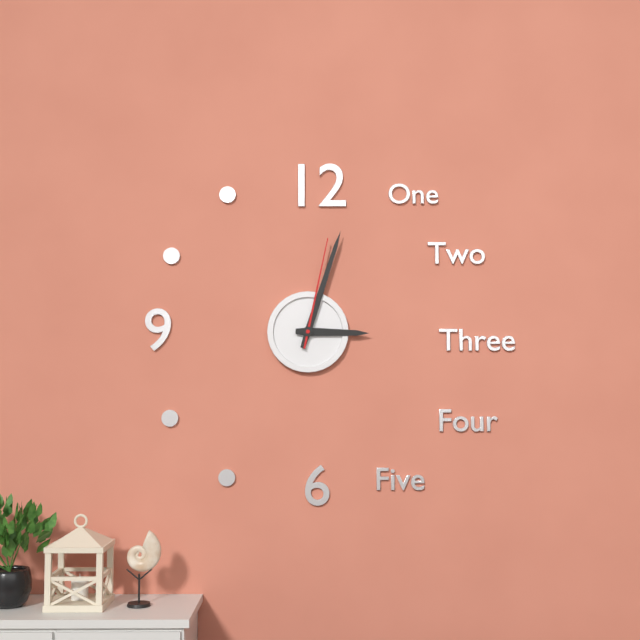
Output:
3.03.02
